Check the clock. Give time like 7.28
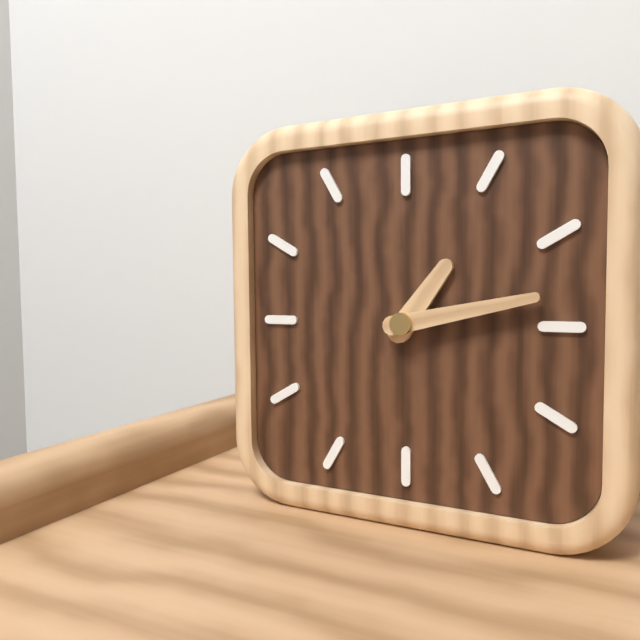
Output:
1.13
